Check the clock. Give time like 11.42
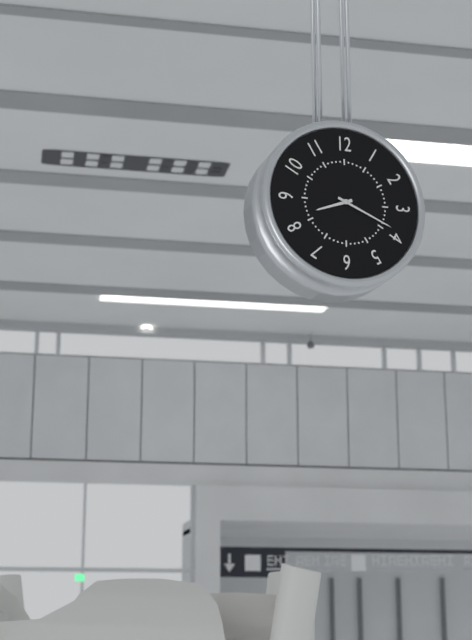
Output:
8.19
